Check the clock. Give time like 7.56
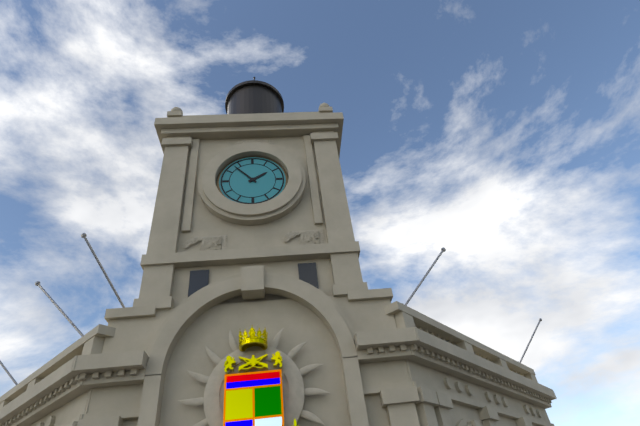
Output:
1.53
